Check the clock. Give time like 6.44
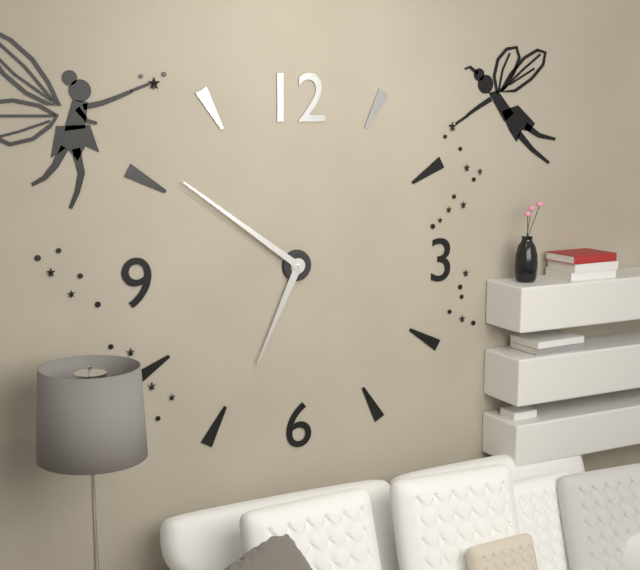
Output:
6.51
